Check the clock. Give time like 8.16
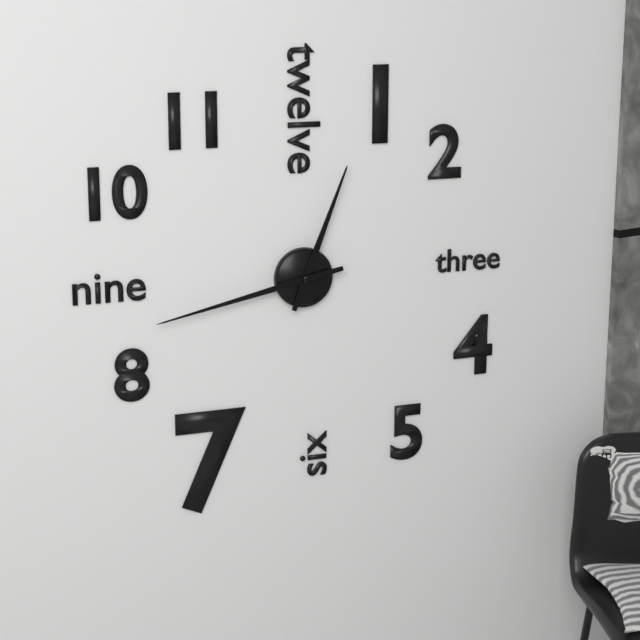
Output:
12.43
